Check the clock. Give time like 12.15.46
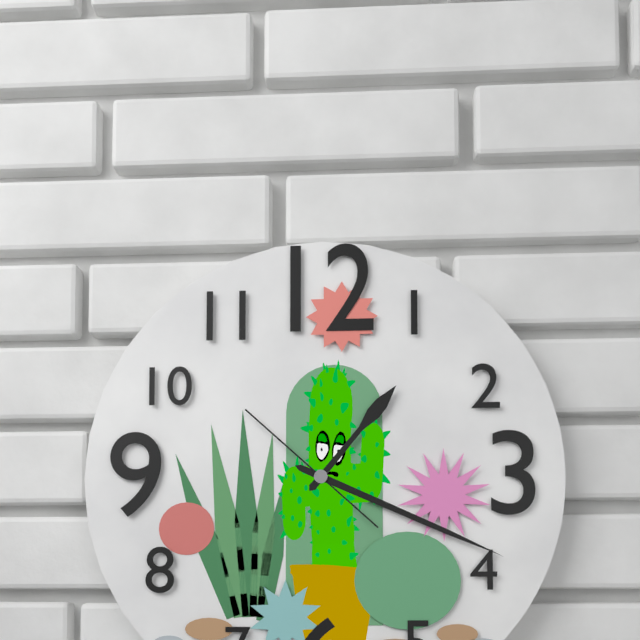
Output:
1.19.52
